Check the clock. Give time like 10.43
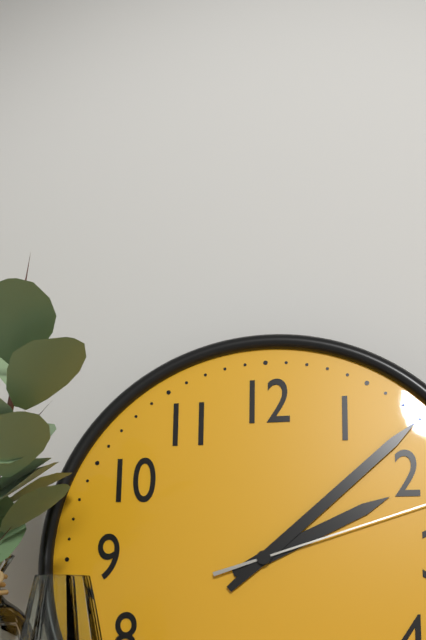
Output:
2.08
